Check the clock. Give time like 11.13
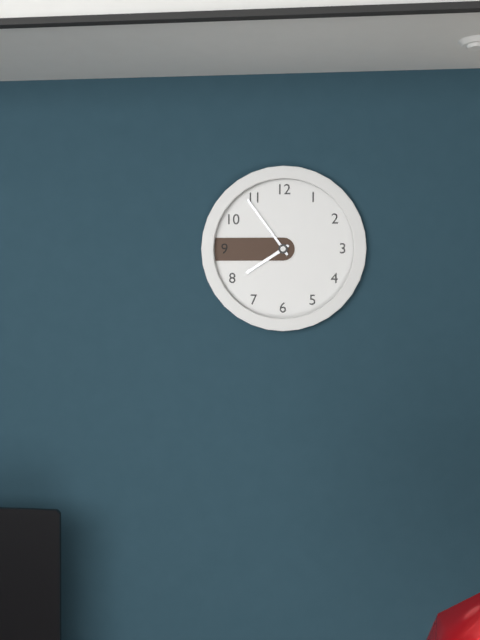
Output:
7.54
